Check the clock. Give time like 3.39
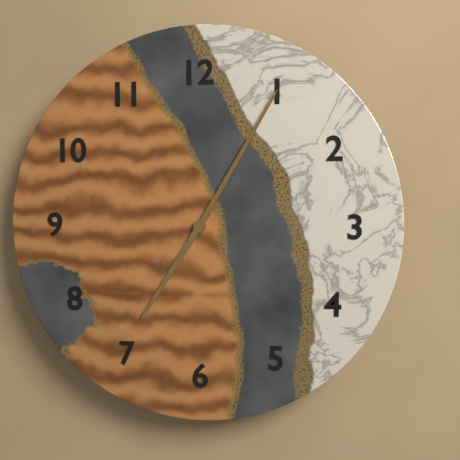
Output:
7.05
